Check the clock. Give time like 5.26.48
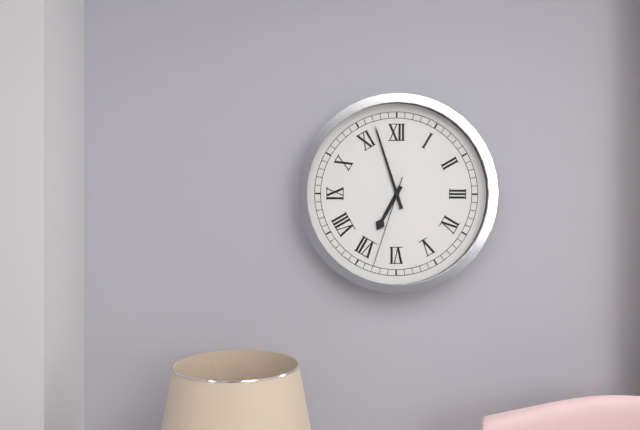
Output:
6.57.33
